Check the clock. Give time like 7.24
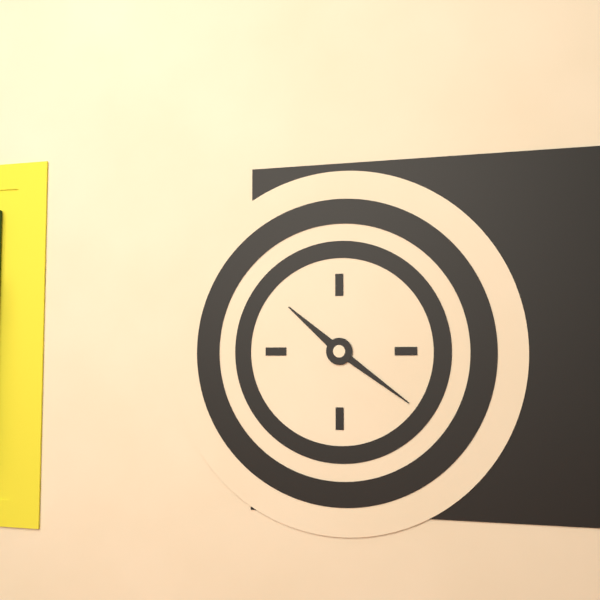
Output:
10.21
